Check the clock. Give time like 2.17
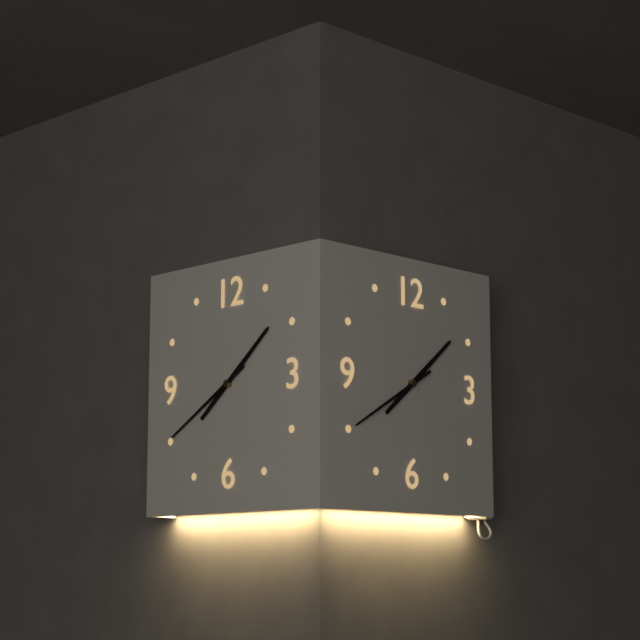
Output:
1.40
